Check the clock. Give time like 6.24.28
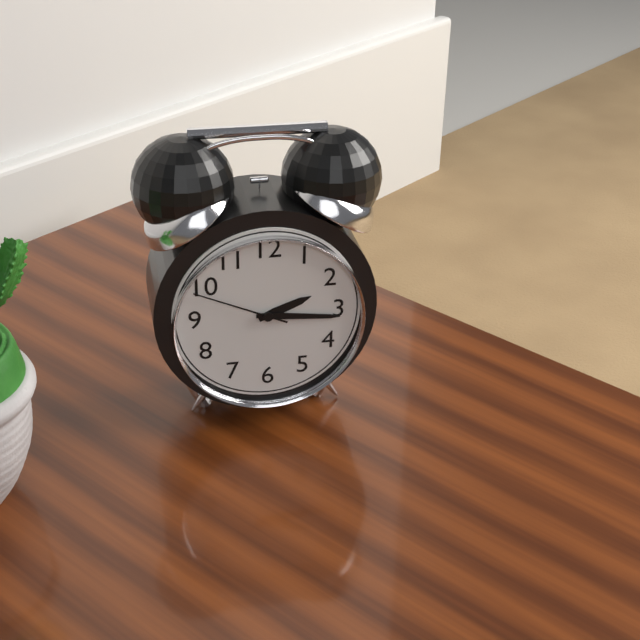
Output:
2.16.49
